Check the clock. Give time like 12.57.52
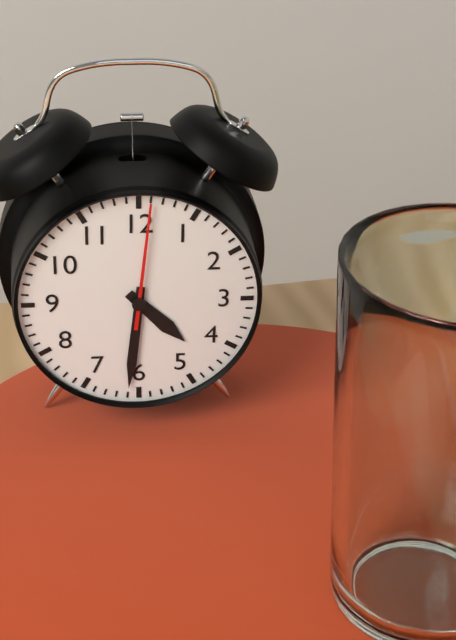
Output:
4.31.01
